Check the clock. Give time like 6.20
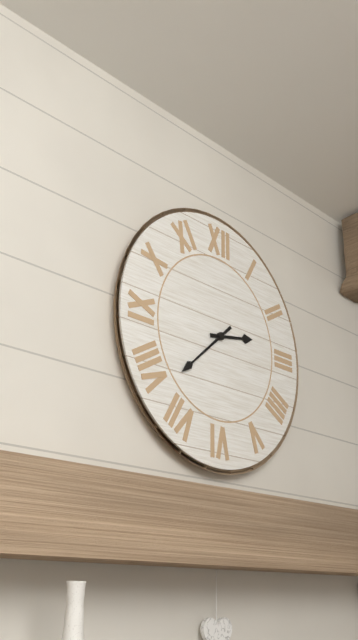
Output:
2.38
